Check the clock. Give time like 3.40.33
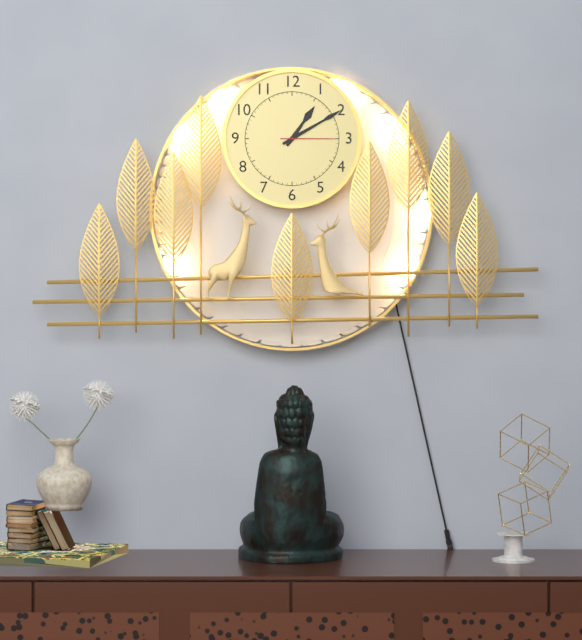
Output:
1.10.15
